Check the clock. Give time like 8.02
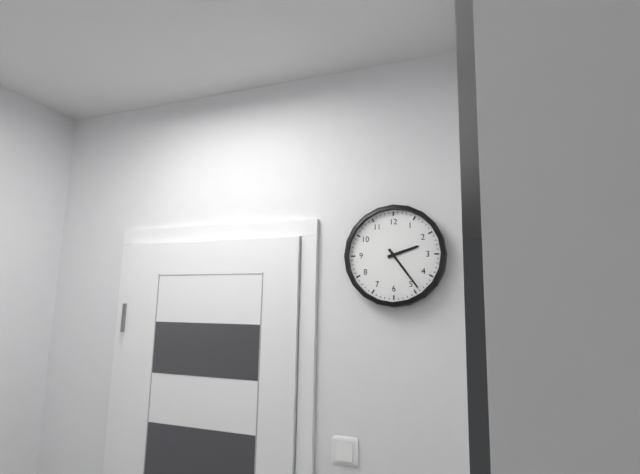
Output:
2.24
